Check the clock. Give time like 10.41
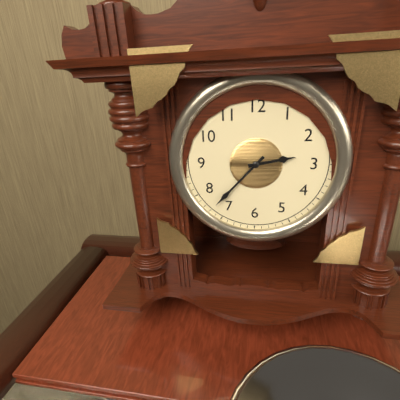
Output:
2.37
